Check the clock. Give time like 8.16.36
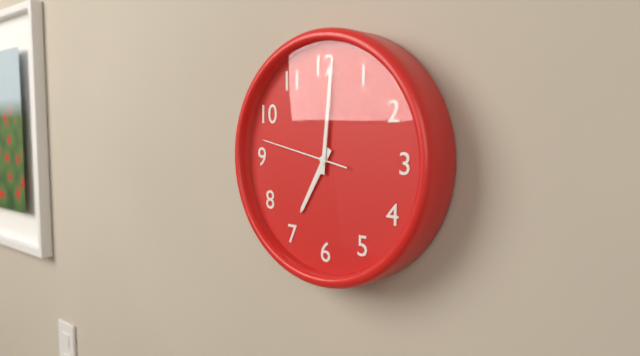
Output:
7.01.47
